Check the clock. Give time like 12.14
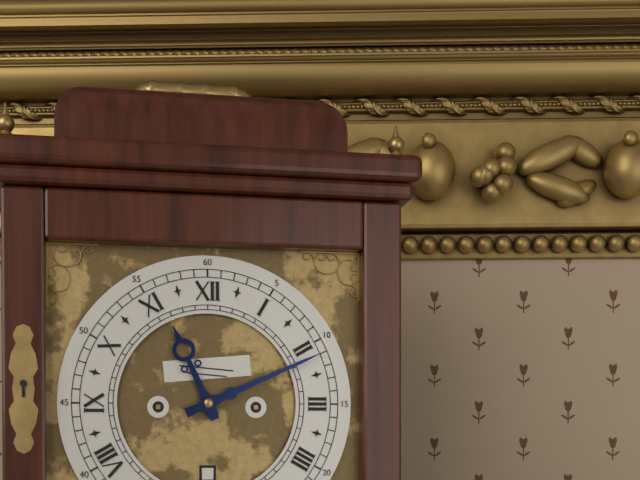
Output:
11.11
